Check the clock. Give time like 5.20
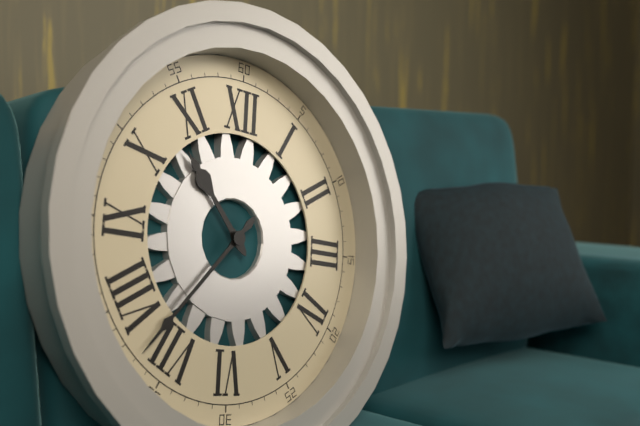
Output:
10.37
